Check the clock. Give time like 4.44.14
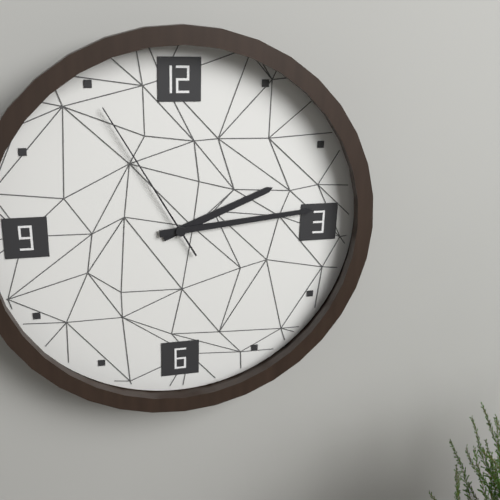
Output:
2.14.55
